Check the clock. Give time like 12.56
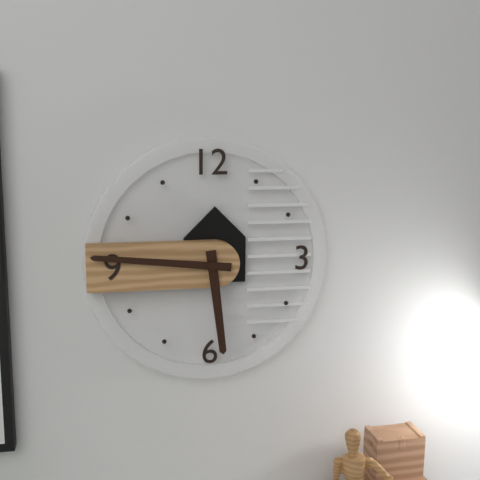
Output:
5.46
